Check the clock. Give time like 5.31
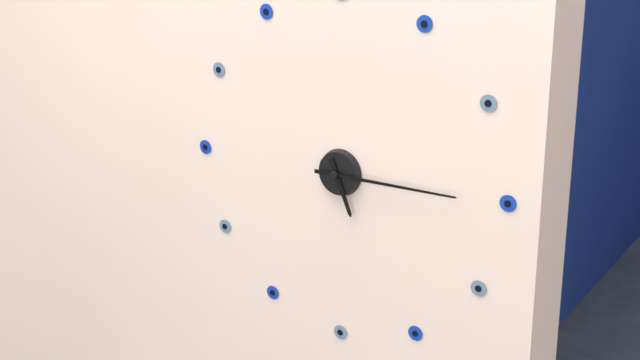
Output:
5.15
